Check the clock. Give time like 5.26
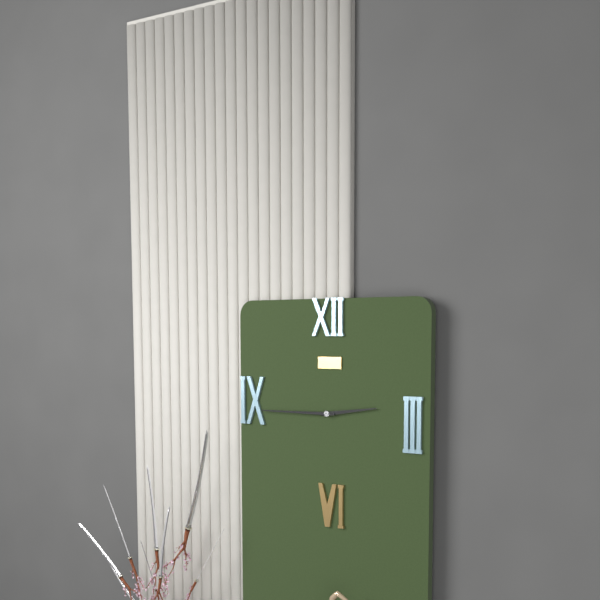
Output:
2.45
